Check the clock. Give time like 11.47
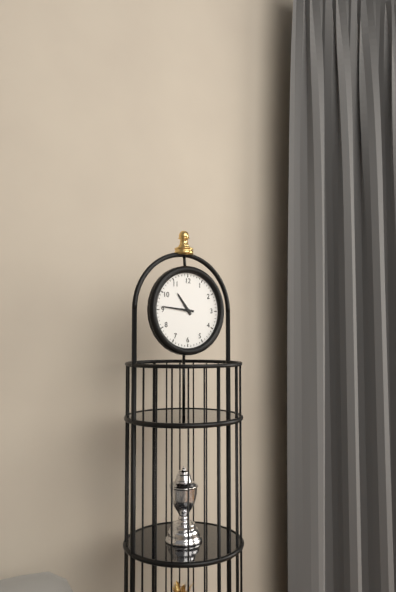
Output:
10.46
